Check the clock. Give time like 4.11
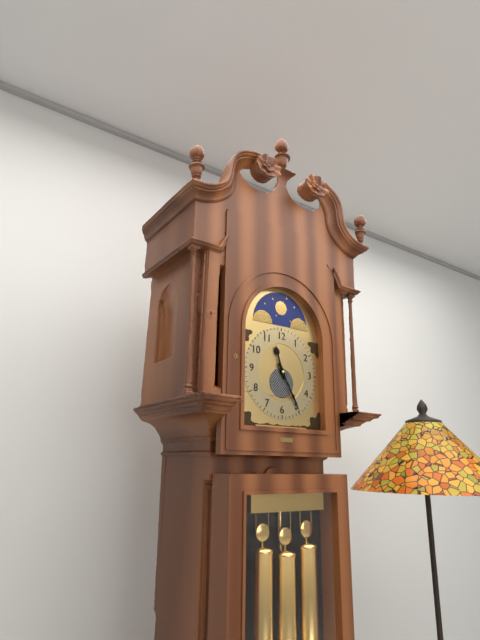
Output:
11.25
